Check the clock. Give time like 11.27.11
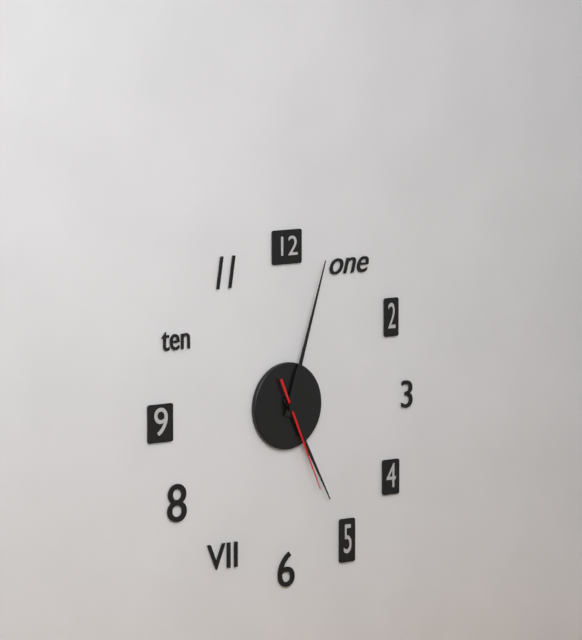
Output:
5.03.26
